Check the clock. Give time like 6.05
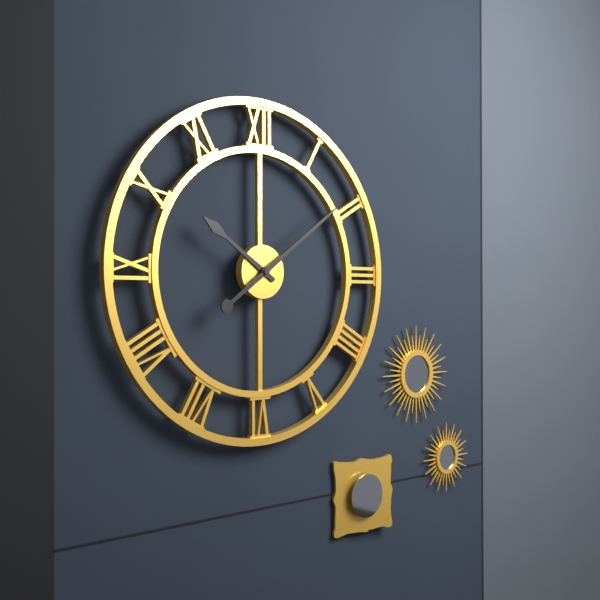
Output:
10.09
